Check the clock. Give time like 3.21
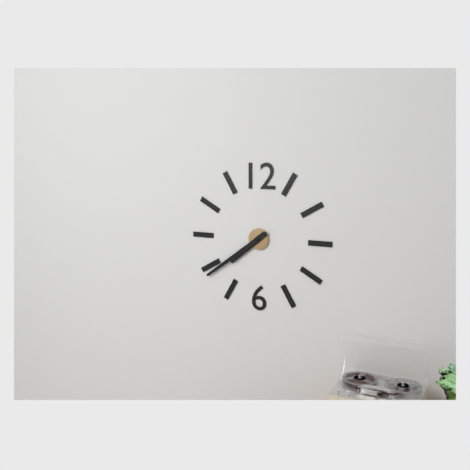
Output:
7.39
